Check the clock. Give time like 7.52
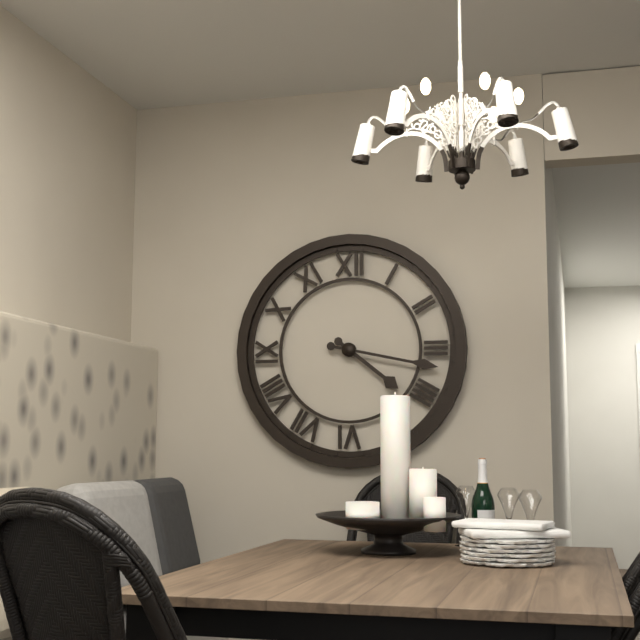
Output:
4.17
